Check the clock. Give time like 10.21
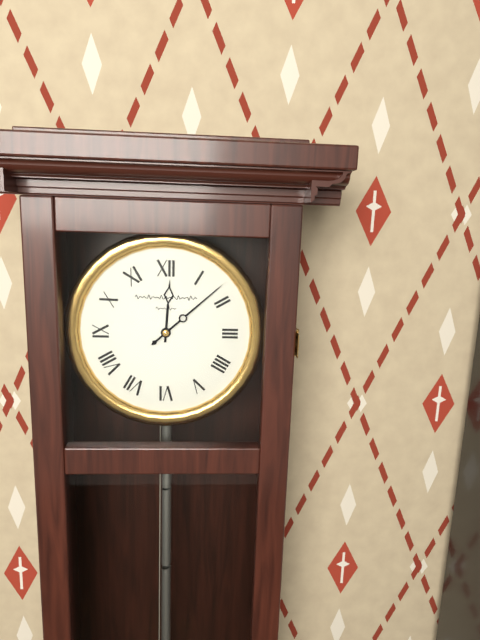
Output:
12.08
